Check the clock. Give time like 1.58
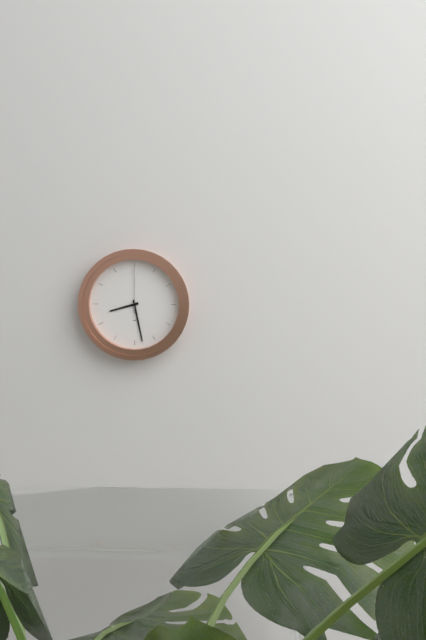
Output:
8.28
